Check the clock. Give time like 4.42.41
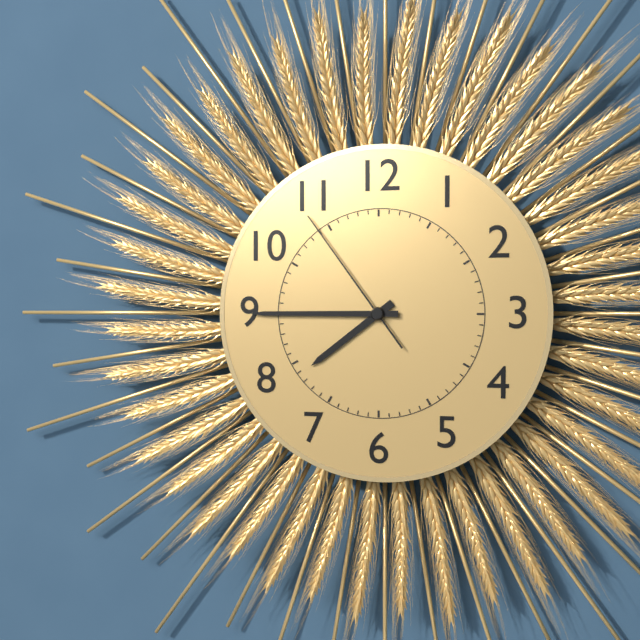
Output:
7.45.54
